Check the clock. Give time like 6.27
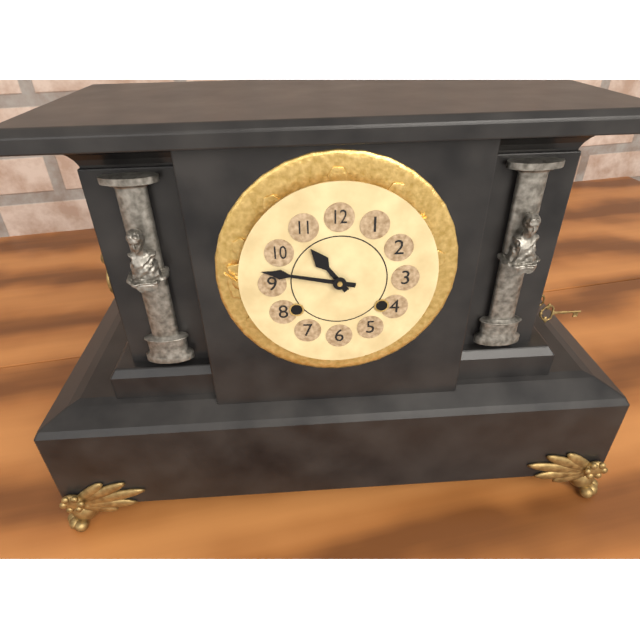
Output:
10.47
